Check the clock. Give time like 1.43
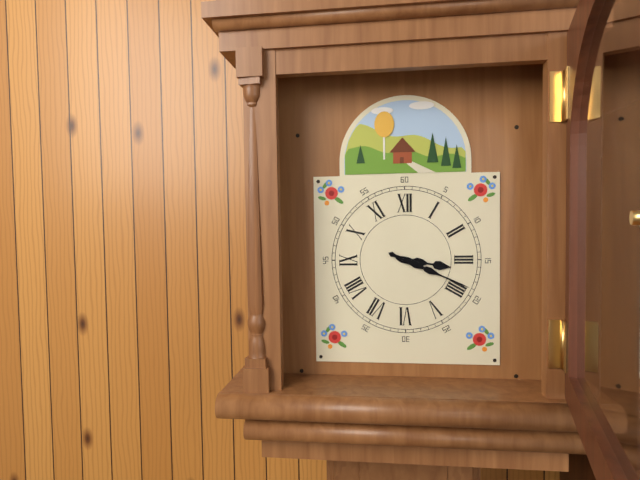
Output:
3.19
